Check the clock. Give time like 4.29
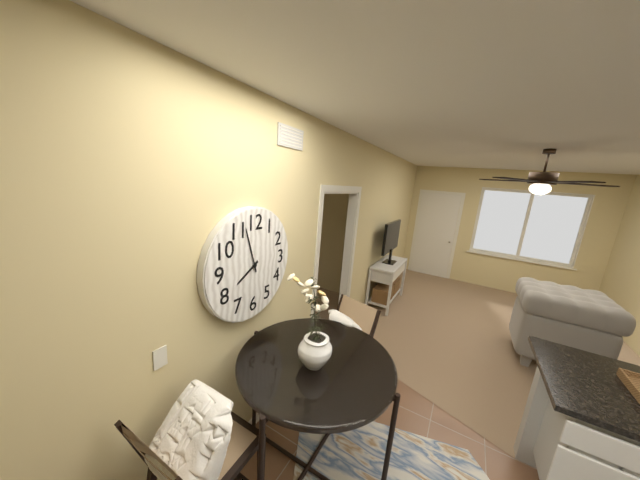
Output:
7.57
